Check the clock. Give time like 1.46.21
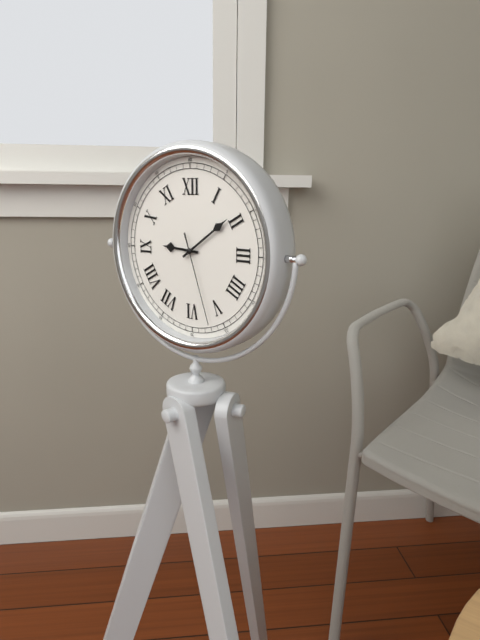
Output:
9.09.27
